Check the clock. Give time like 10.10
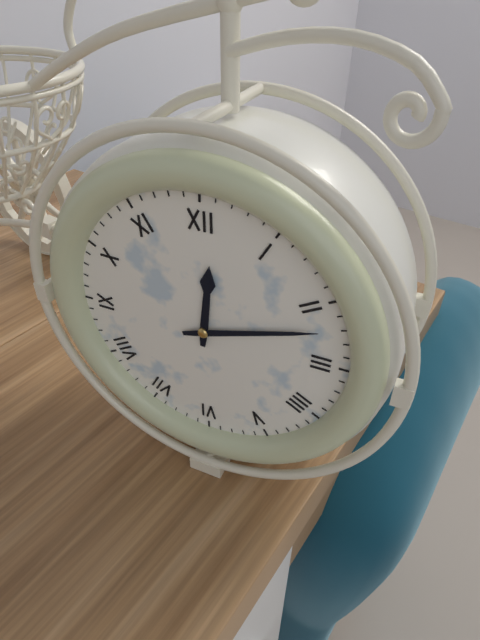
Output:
12.12
